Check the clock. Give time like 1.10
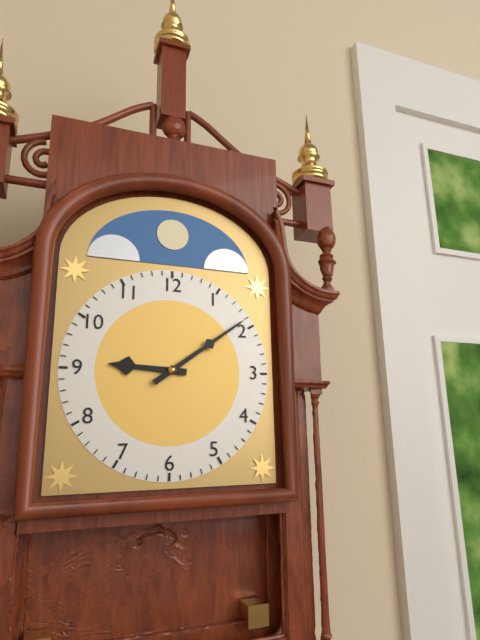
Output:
9.09
